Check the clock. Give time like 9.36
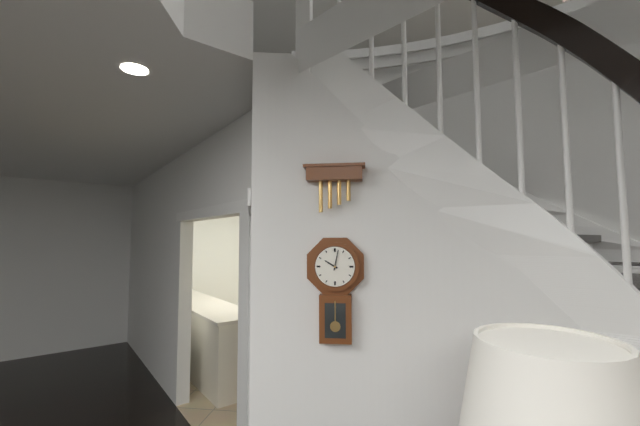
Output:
10.02
